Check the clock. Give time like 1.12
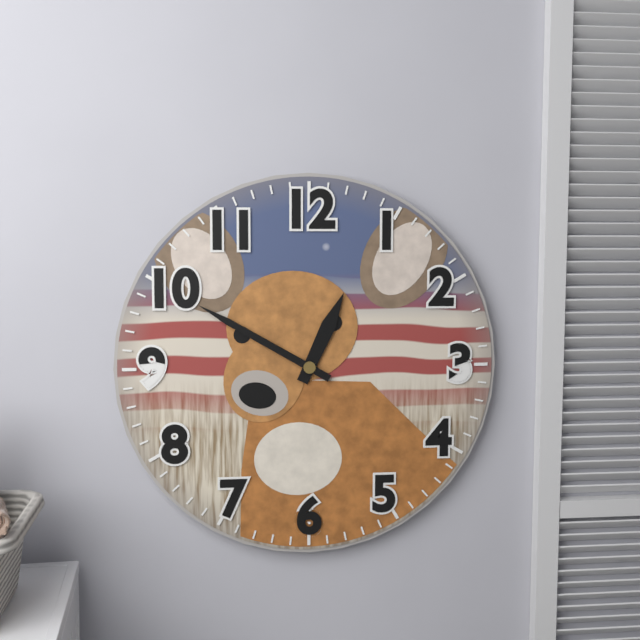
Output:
12.50
